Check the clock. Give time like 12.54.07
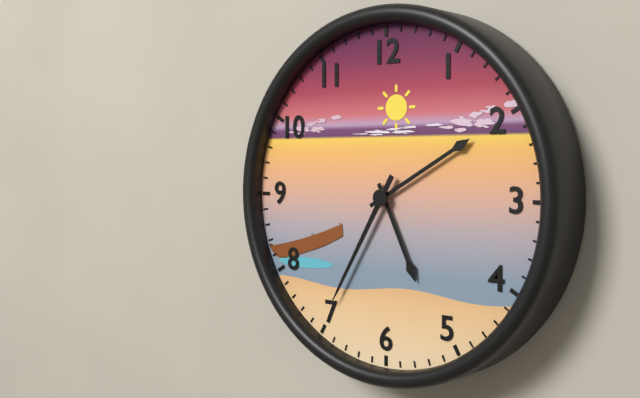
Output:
5.10.35
